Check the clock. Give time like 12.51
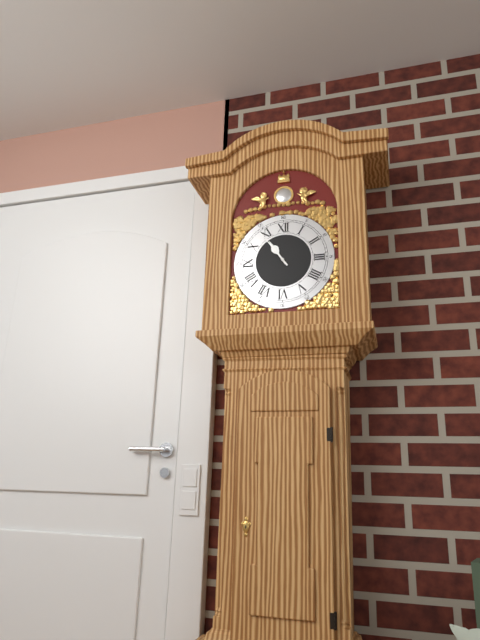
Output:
10.54
